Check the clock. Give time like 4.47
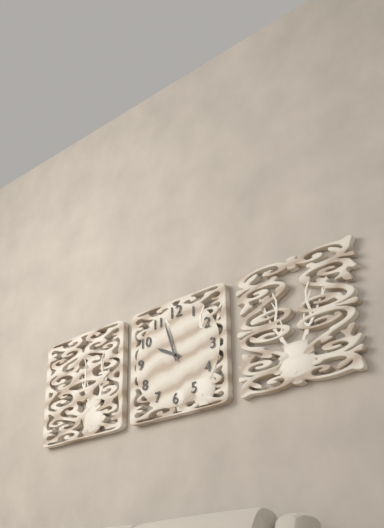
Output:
9.57
